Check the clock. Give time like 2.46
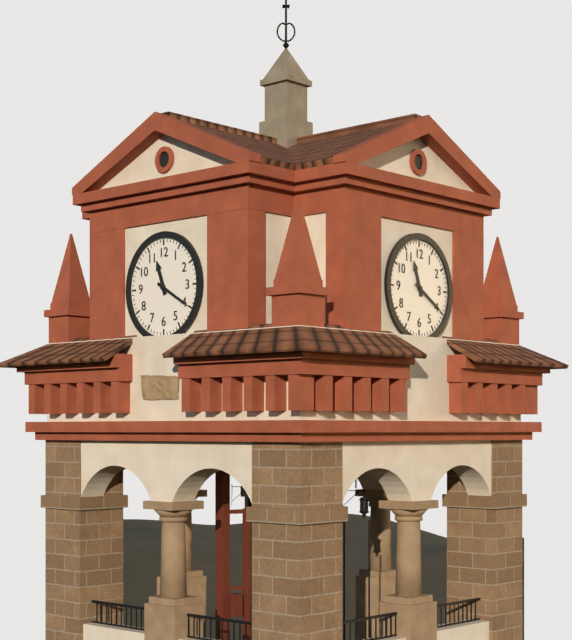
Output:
11.20
